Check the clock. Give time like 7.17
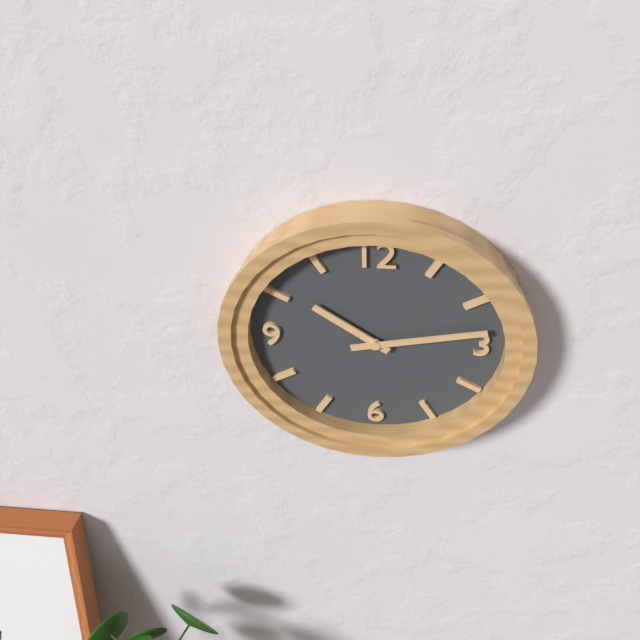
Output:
10.13
